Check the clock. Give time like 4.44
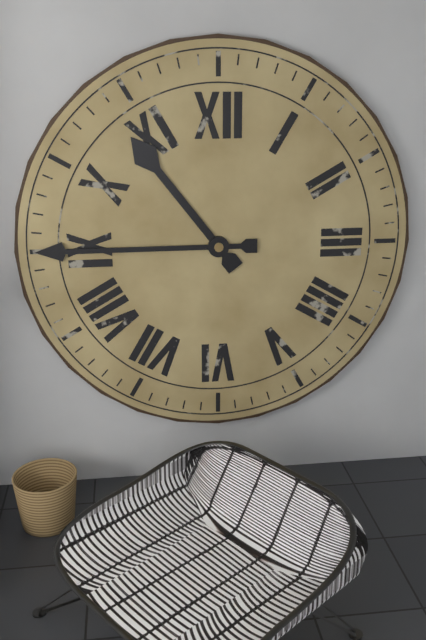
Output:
10.45
